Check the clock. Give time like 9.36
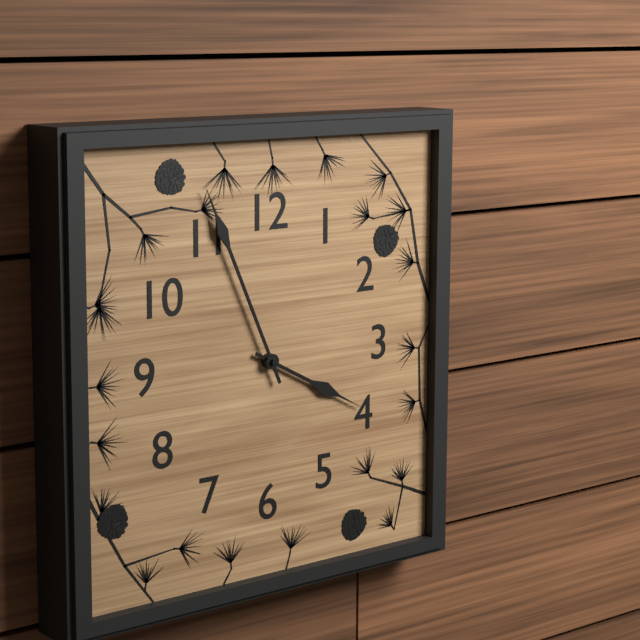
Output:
3.56
